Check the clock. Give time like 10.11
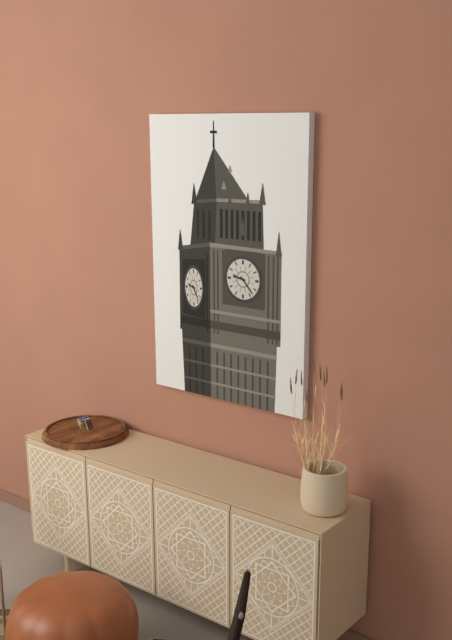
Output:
9.23
